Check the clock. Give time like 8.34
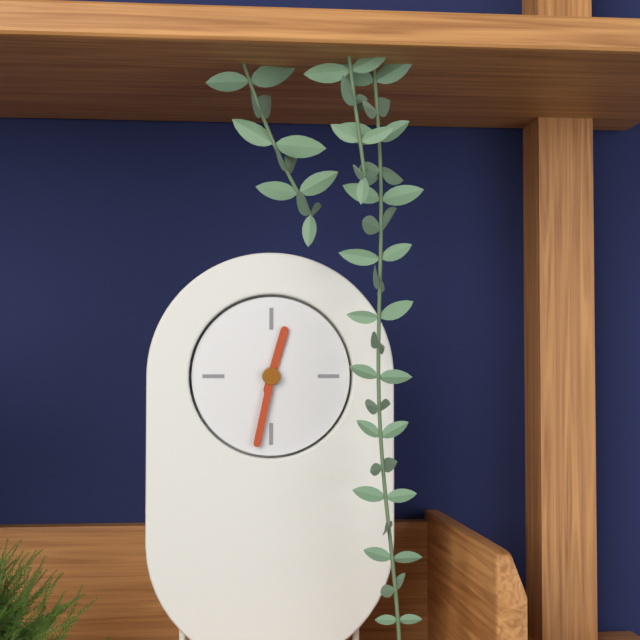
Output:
12.32
